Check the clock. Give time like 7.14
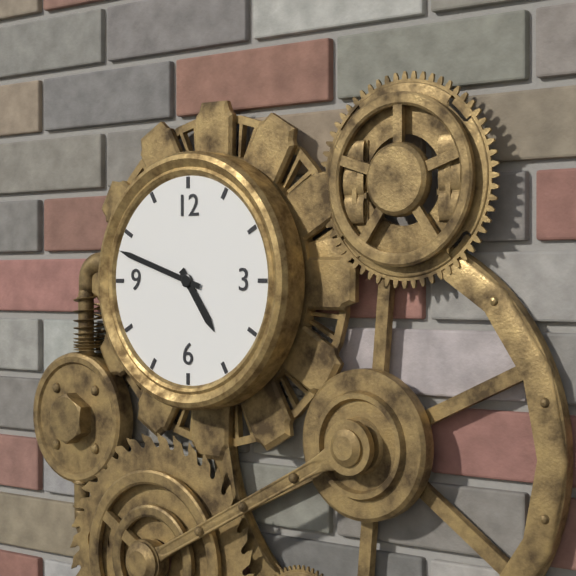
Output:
4.48
